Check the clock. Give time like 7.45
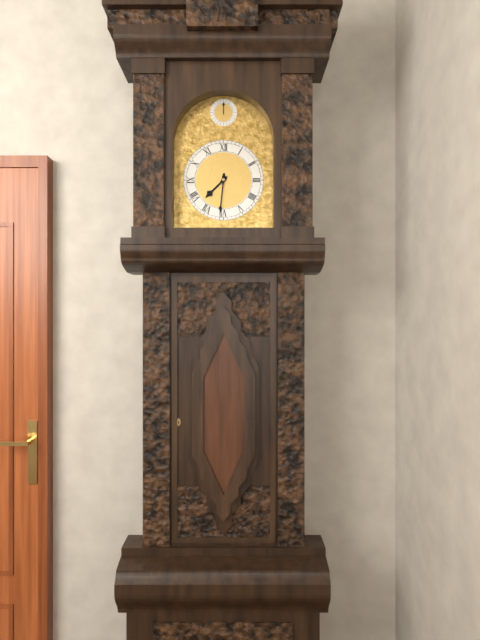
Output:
7.31
